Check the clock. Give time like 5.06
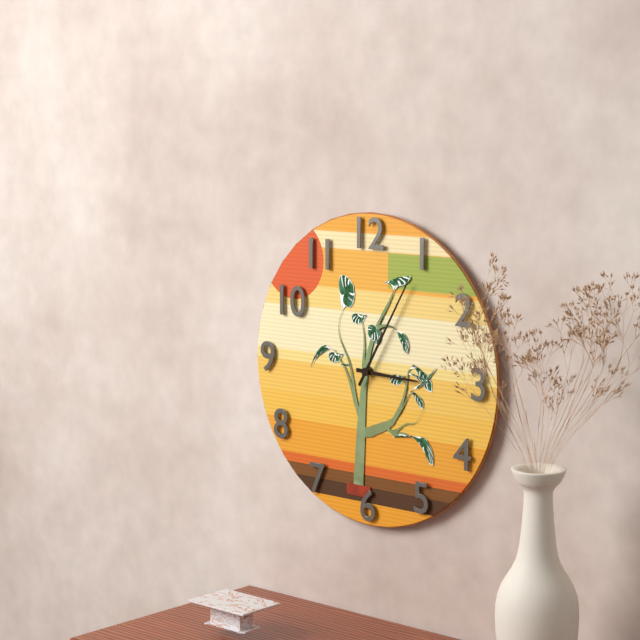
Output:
3.05
